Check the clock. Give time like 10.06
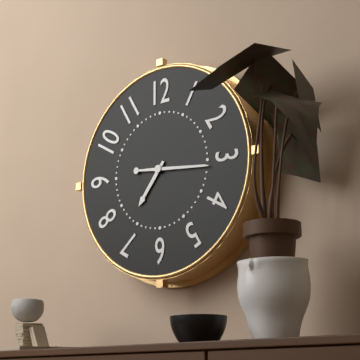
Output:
7.16
